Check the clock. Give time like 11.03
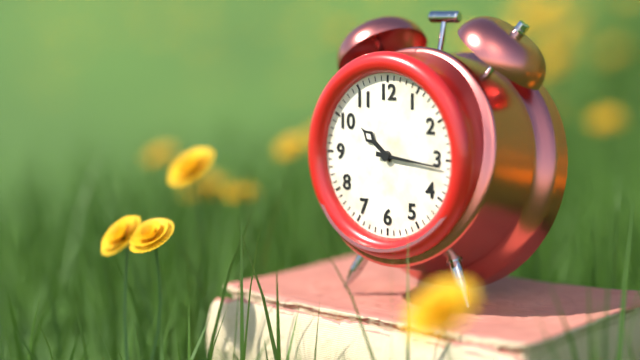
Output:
10.16
